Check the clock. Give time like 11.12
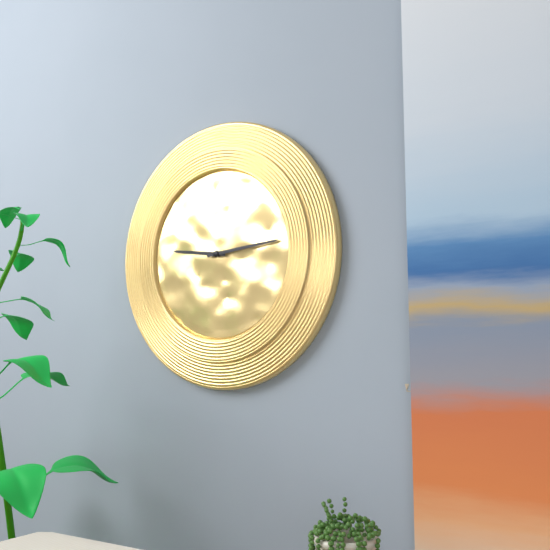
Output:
9.14
